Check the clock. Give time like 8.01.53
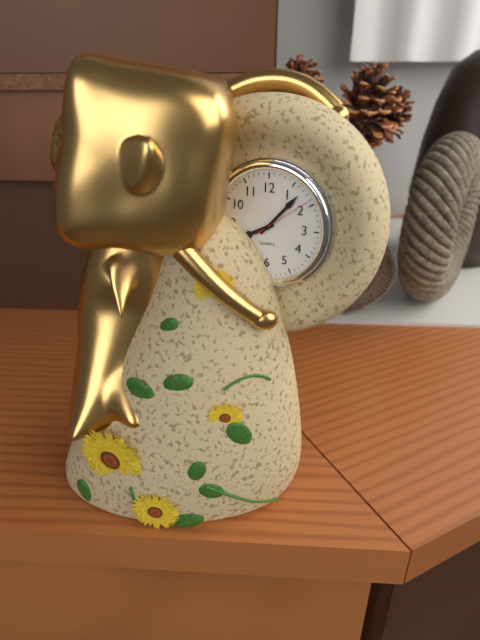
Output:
8.07.09
